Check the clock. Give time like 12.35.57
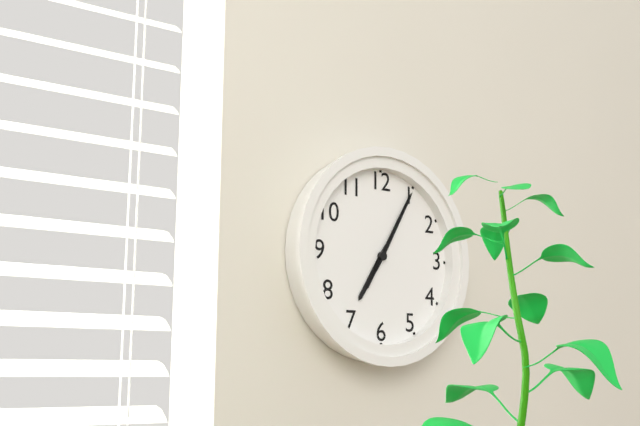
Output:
7.05.05
